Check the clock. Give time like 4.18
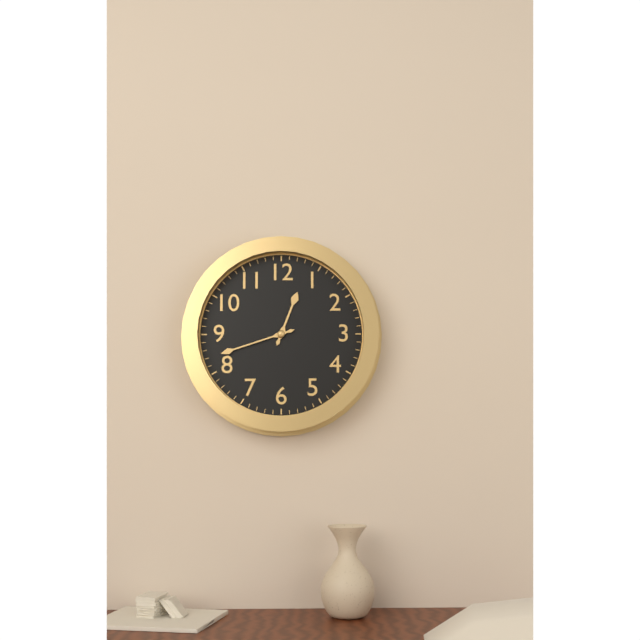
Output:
12.42
